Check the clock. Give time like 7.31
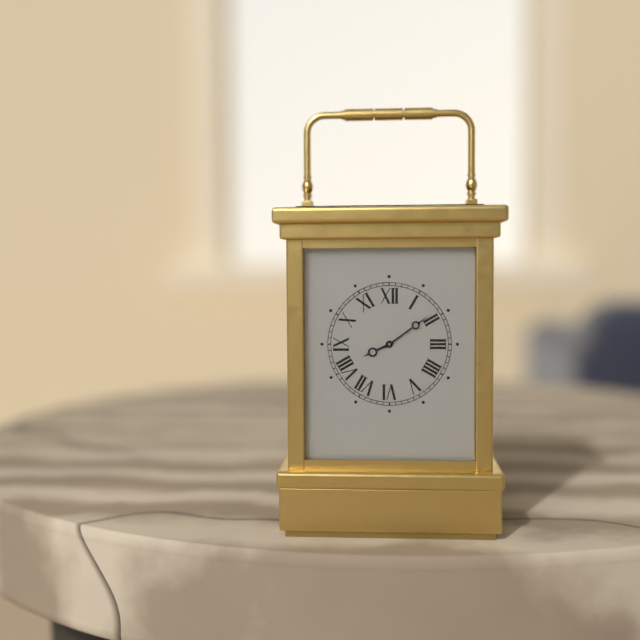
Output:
8.09
